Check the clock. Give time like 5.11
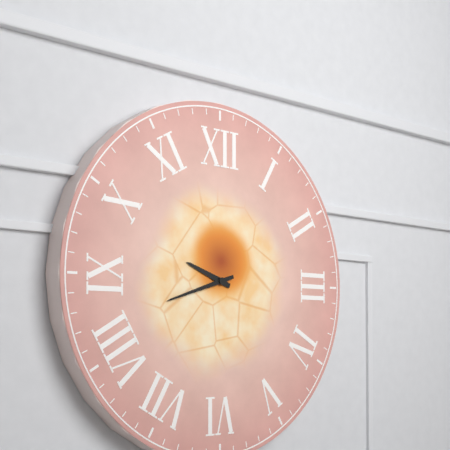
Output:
9.42
